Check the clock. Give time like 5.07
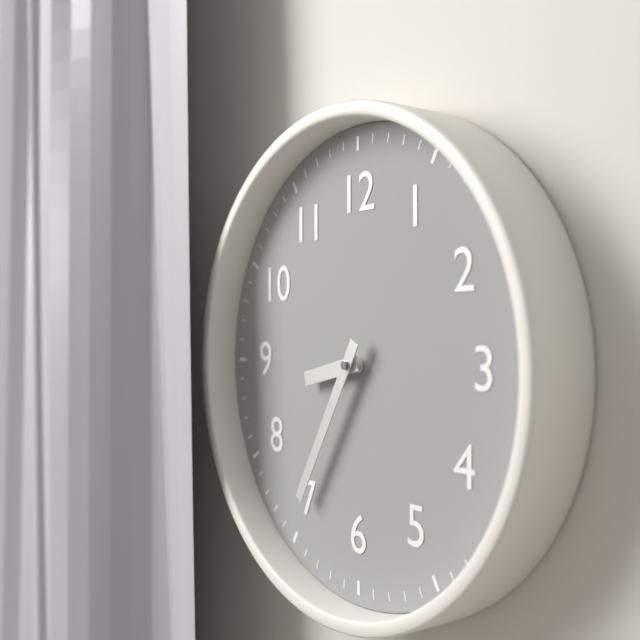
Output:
8.35
